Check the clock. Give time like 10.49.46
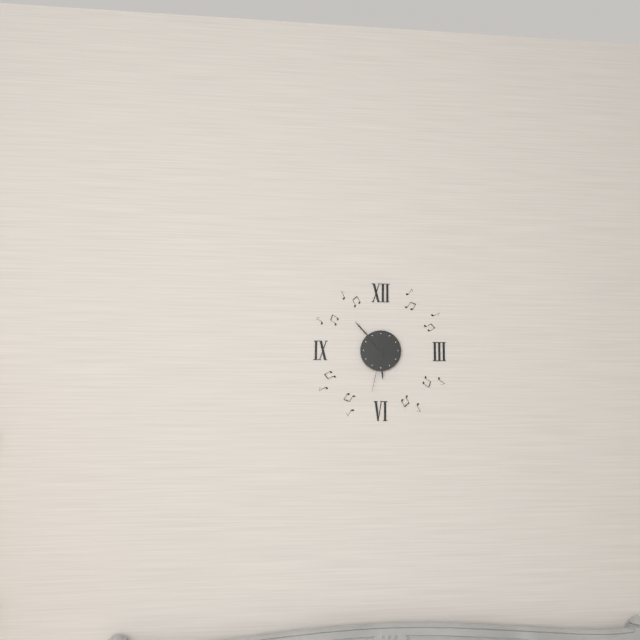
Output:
5.53.32
